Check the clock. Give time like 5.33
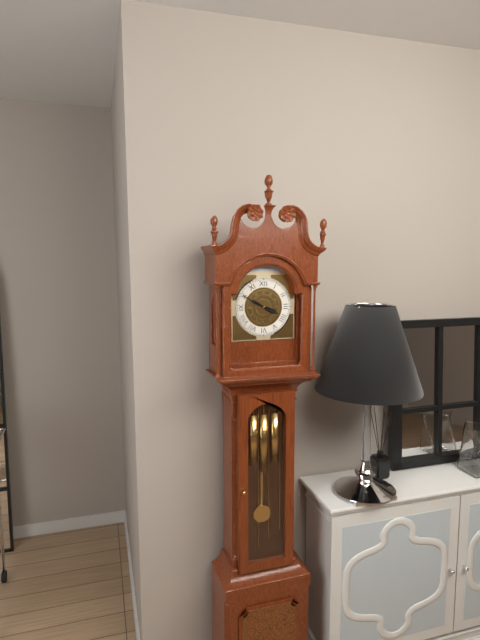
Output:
3.50
